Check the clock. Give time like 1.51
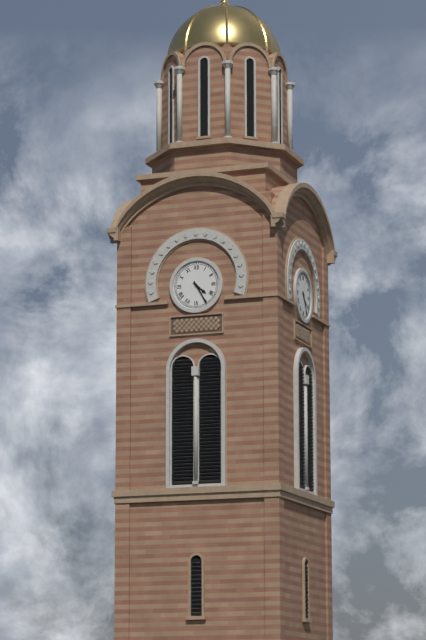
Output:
4.25
